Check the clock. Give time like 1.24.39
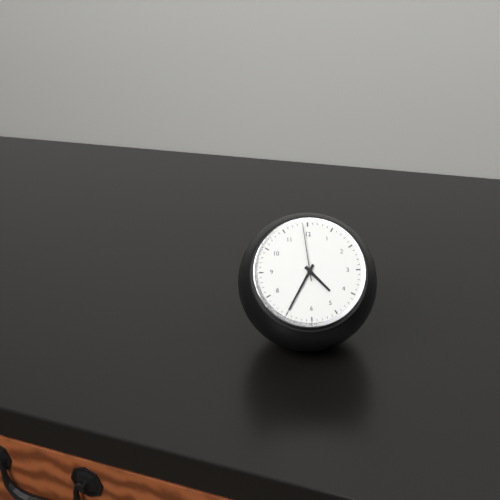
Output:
4.35.59
